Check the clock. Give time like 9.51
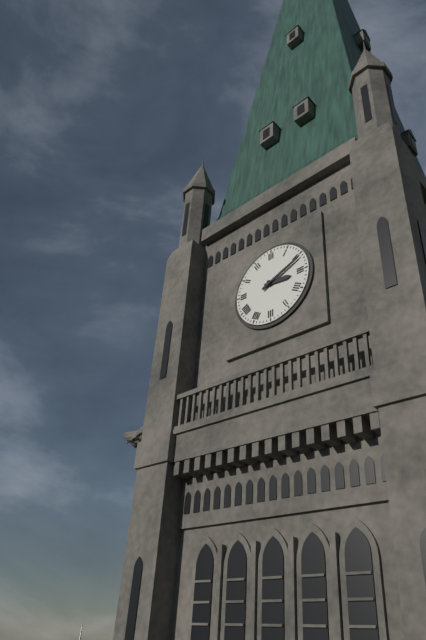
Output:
3.11
